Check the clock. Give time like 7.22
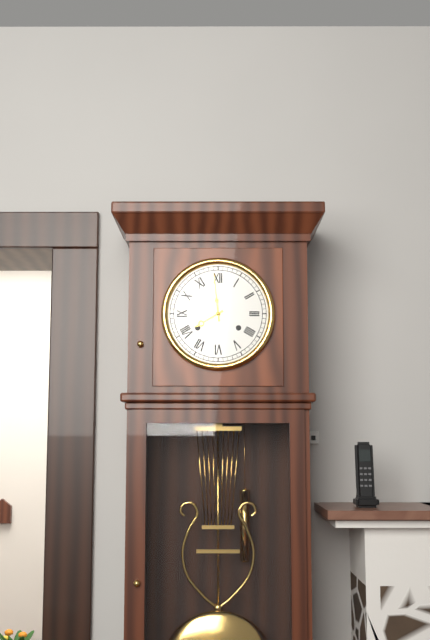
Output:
7.59
